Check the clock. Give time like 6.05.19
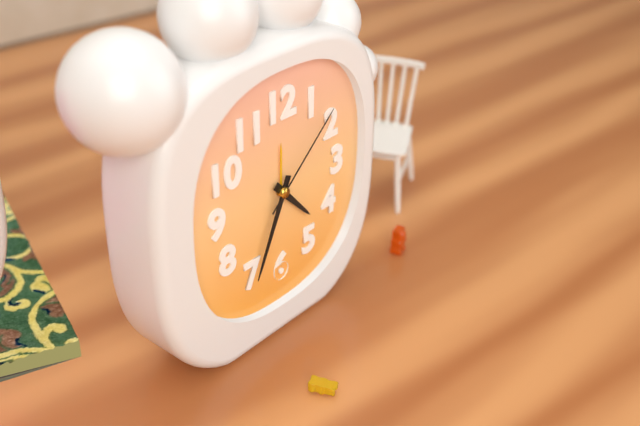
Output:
4.34.08
